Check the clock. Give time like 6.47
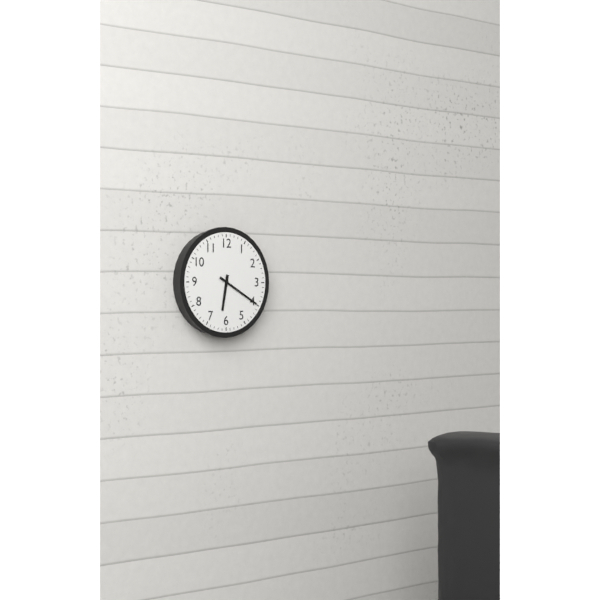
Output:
6.20
